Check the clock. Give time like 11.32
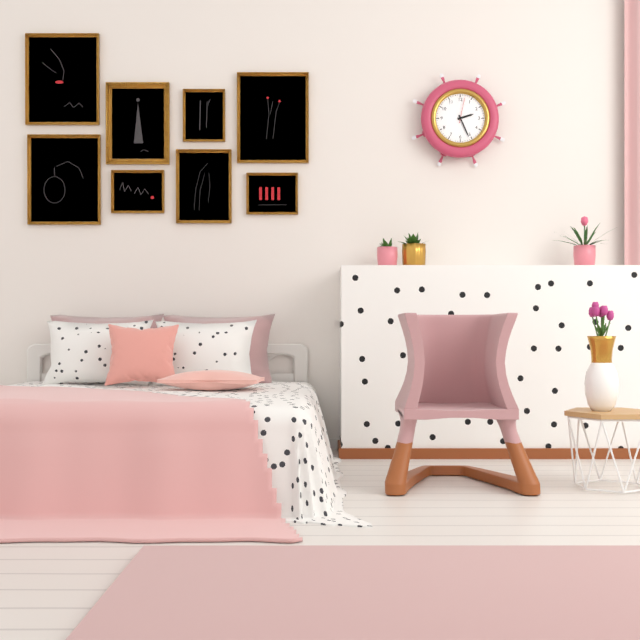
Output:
2.26
